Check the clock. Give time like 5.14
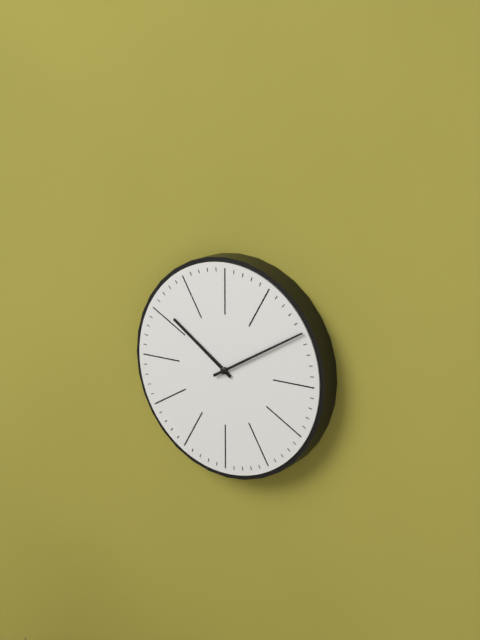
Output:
10.10
